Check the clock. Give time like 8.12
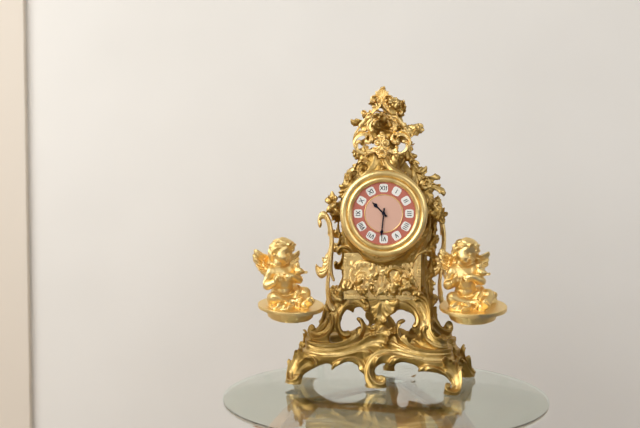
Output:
10.31
